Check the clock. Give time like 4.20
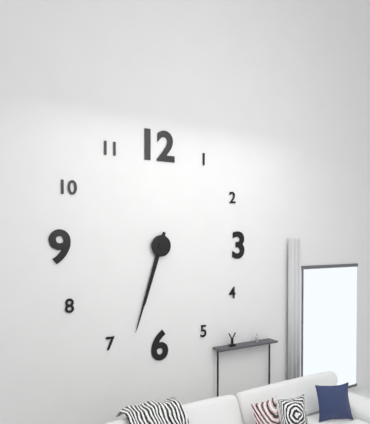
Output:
6.33
